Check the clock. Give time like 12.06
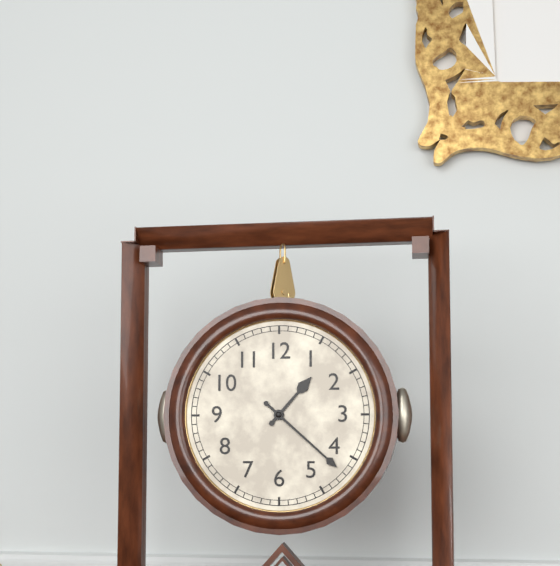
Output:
1.22
